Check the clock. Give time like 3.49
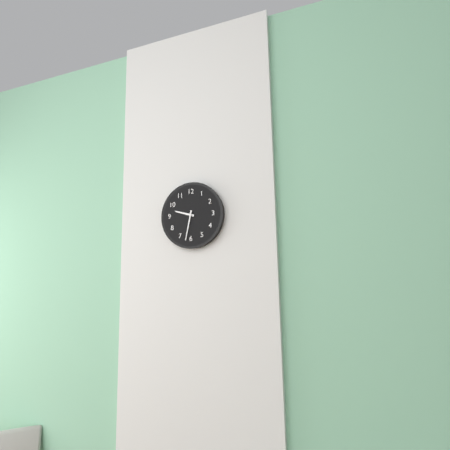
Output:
9.32
